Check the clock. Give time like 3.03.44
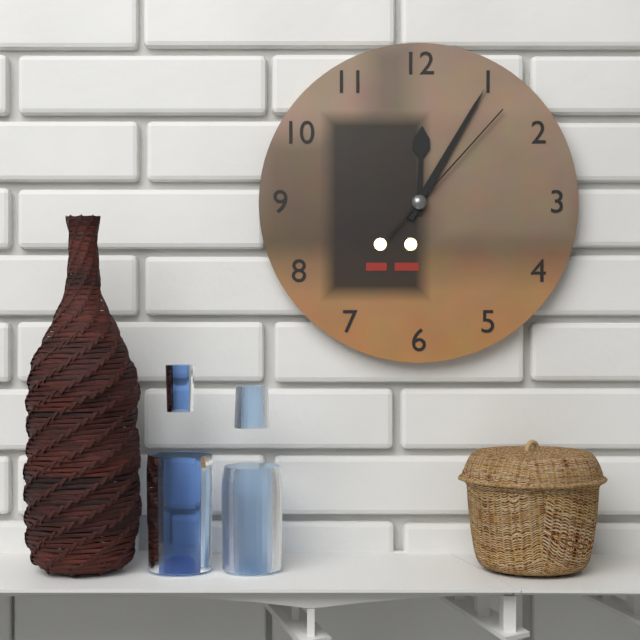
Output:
12.05.07
